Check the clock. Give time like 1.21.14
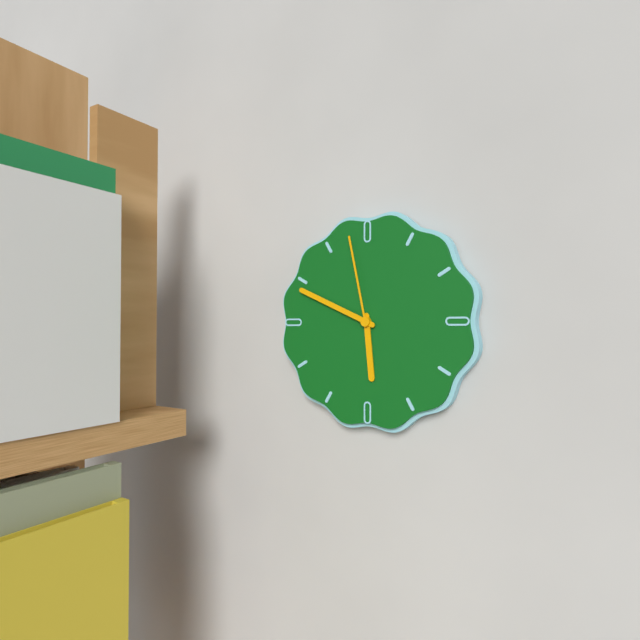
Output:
5.49.58
